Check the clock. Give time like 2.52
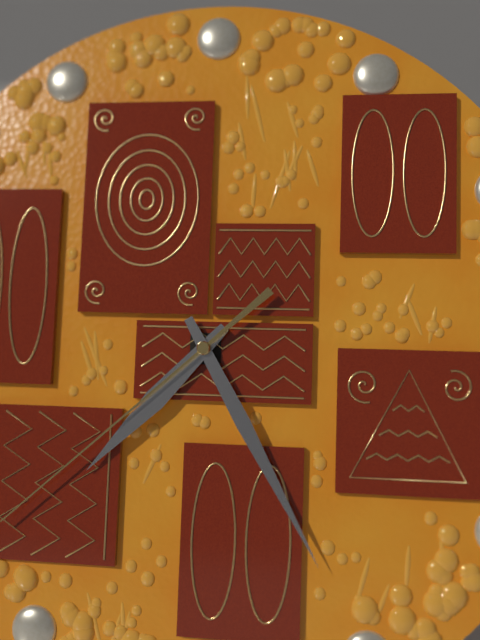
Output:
7.25
